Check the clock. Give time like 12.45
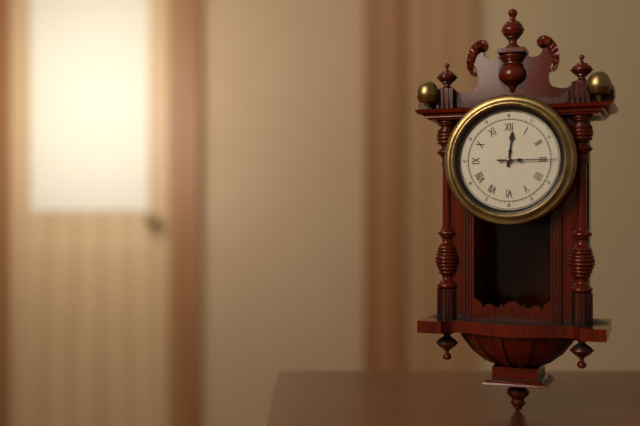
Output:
12.15
